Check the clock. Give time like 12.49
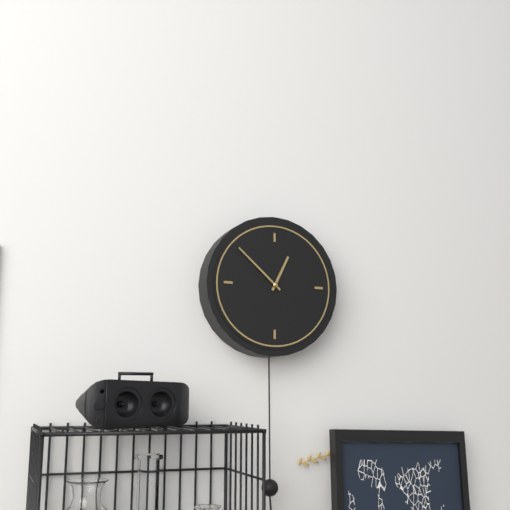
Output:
12.52
